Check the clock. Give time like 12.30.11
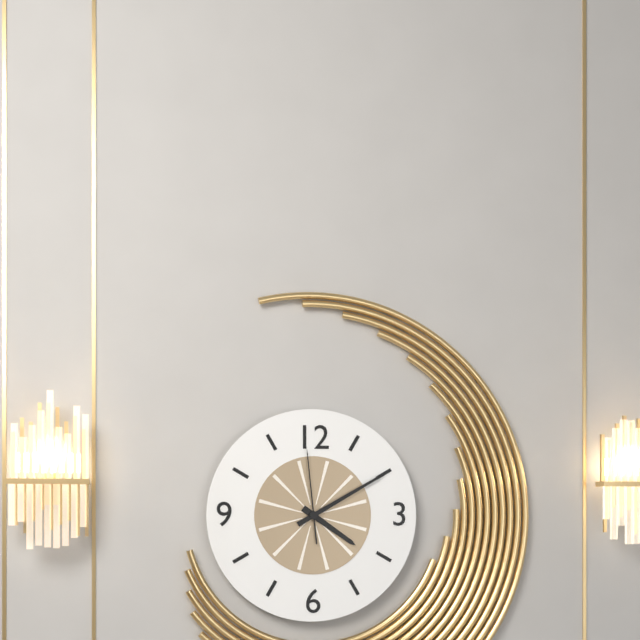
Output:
4.10.59
